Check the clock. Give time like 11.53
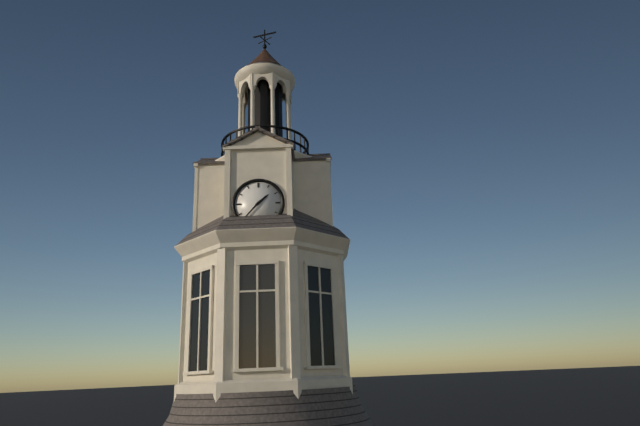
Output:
1.37
